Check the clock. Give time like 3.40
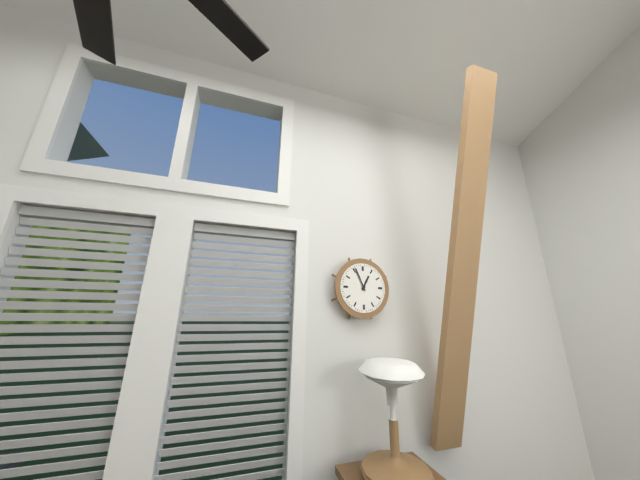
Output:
12.56
